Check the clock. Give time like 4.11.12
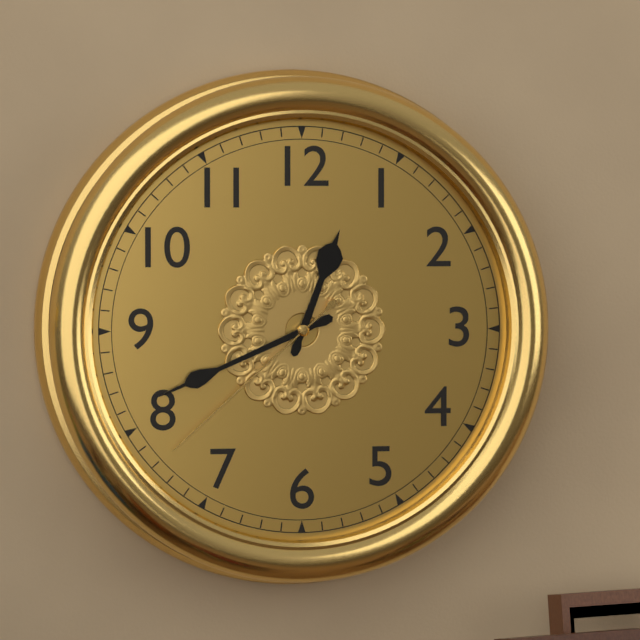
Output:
12.41.38
